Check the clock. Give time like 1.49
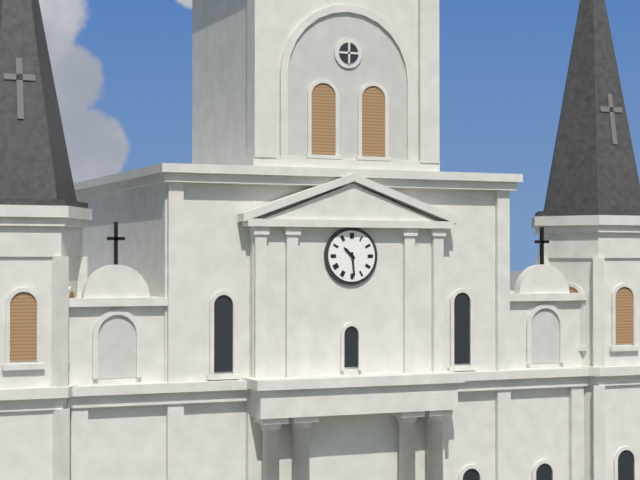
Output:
10.29
